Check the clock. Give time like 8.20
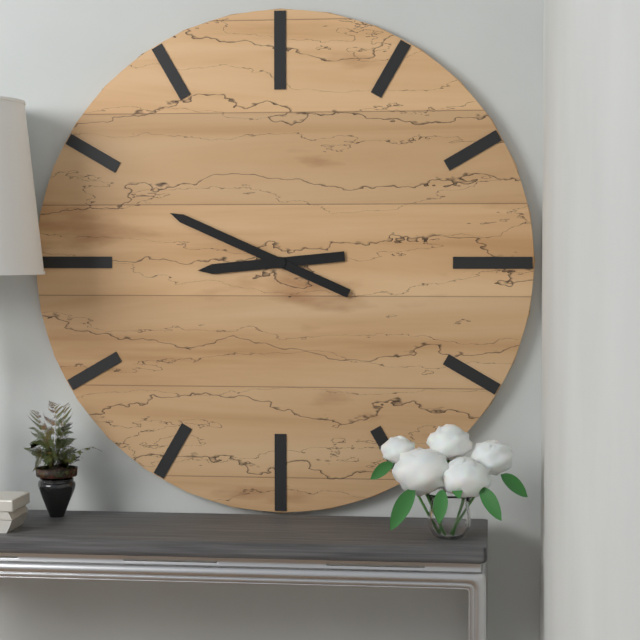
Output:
8.49
